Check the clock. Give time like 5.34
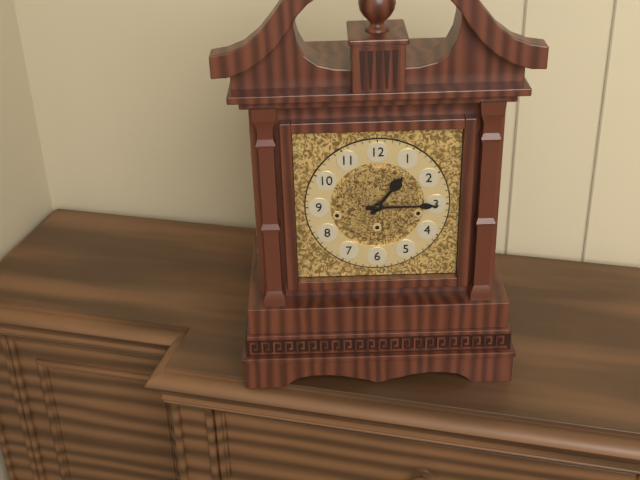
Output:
1.15
